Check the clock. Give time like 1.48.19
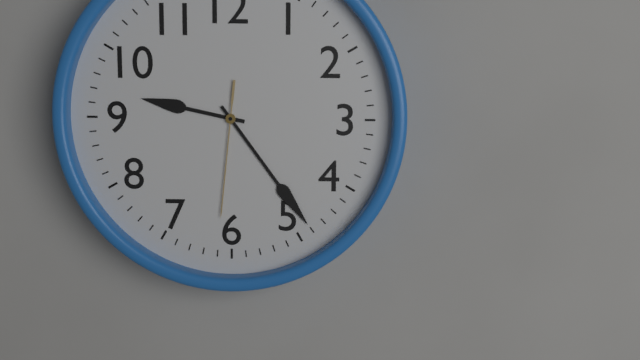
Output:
9.24.31
